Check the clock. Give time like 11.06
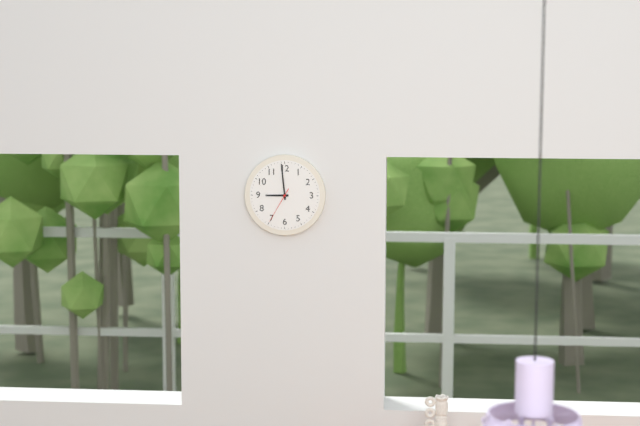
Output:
8.59
